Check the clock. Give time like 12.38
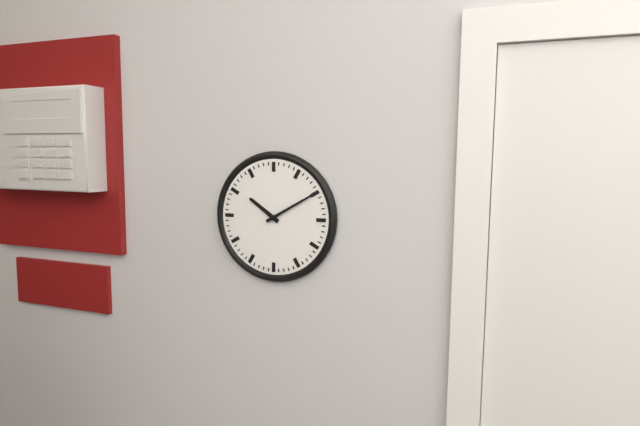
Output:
10.10
